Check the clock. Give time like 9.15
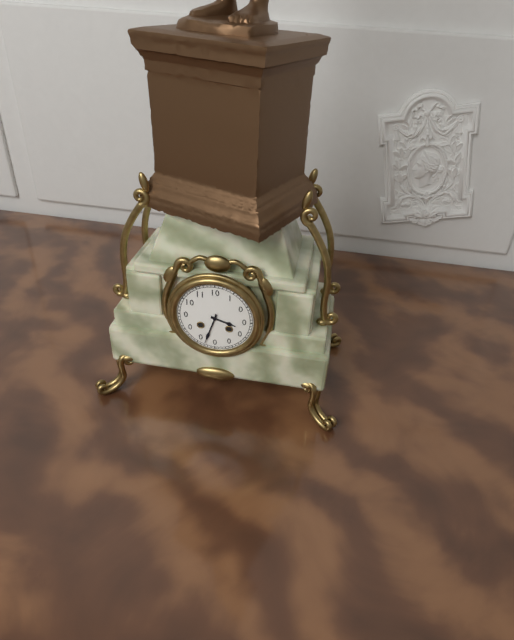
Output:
3.33
